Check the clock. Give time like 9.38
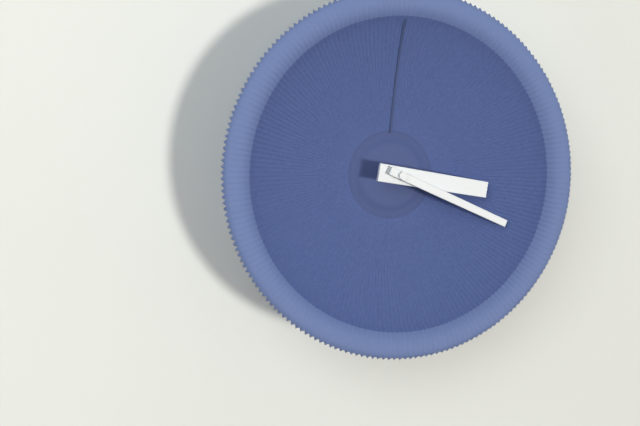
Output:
3.19
